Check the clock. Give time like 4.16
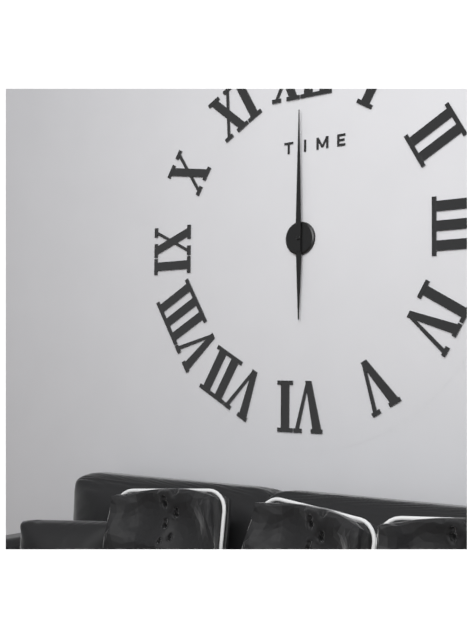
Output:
6.00
